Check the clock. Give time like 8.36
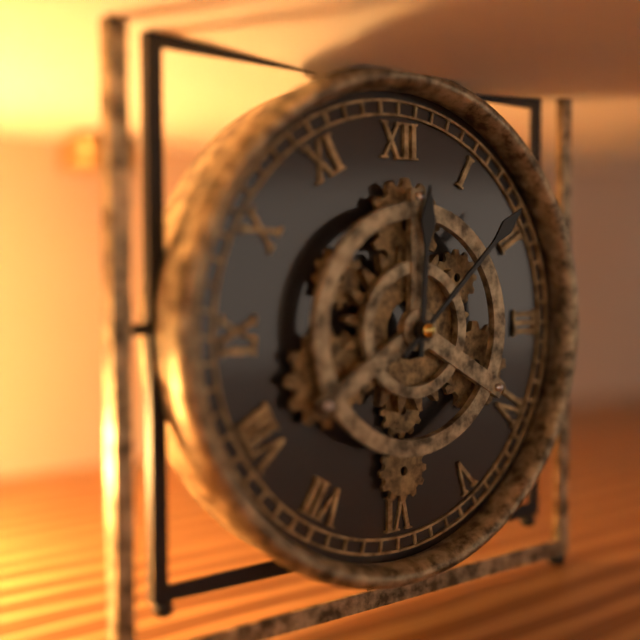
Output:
12.08
